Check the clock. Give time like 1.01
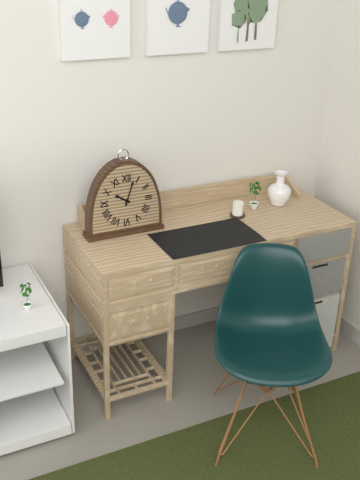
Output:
10.03
